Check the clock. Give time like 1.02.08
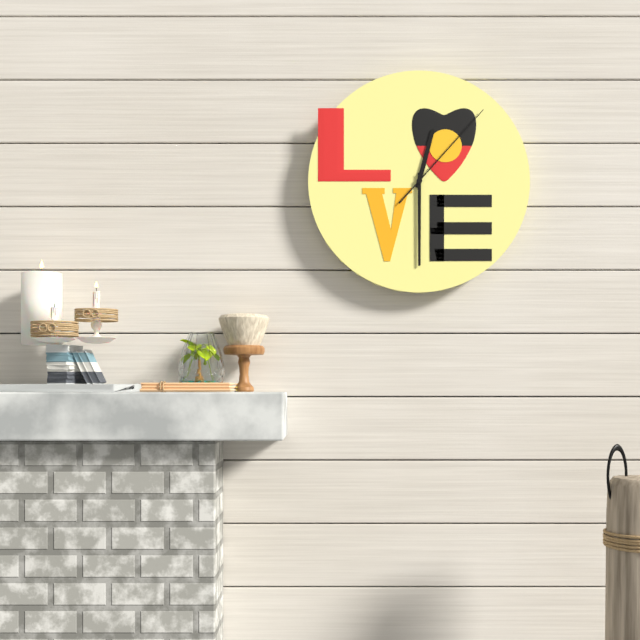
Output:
12.30.07
